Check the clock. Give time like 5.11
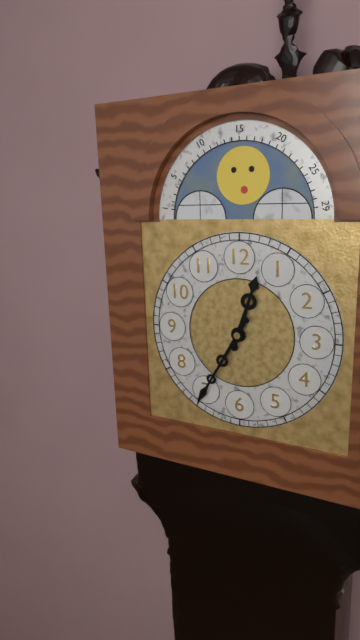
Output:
12.35
